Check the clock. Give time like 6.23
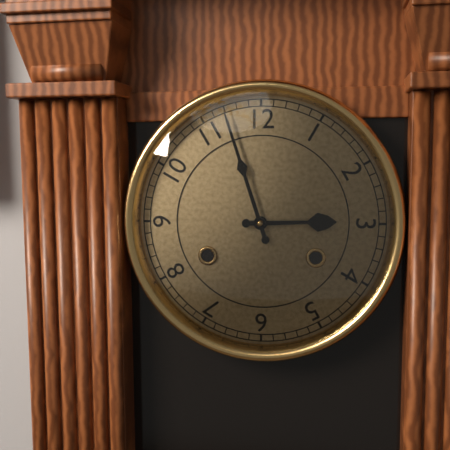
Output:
2.57
